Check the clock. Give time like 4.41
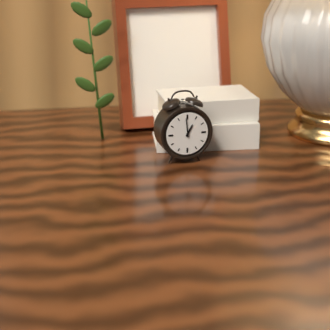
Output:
12.59
